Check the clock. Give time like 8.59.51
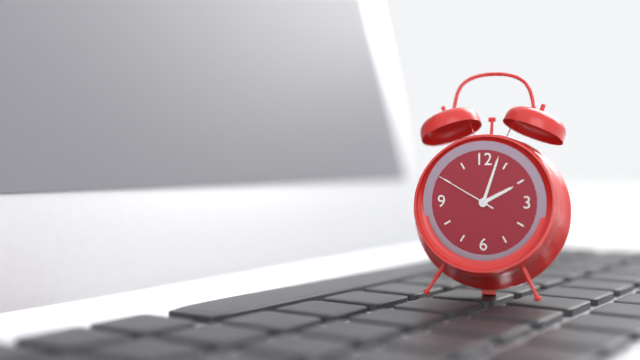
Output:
2.03.50
